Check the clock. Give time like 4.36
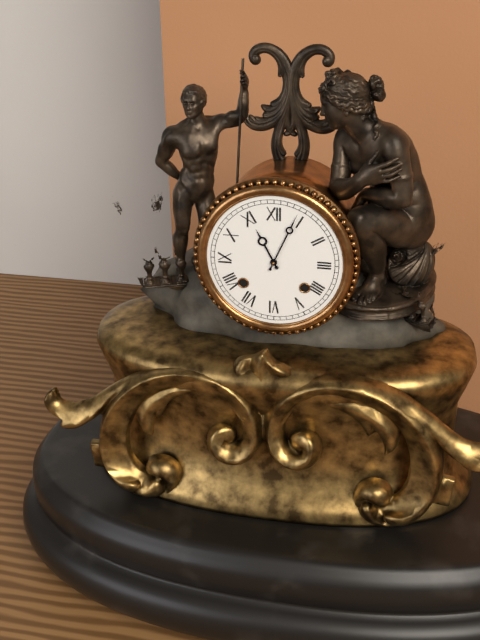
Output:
11.04
